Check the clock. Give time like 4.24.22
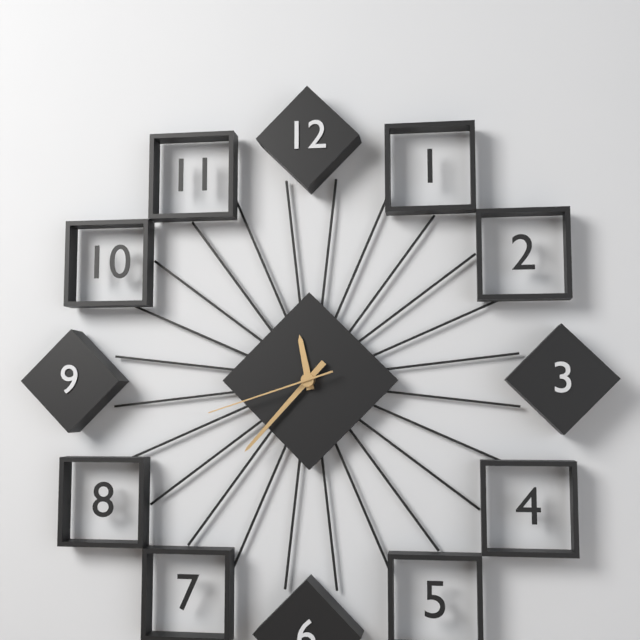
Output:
11.37.42
